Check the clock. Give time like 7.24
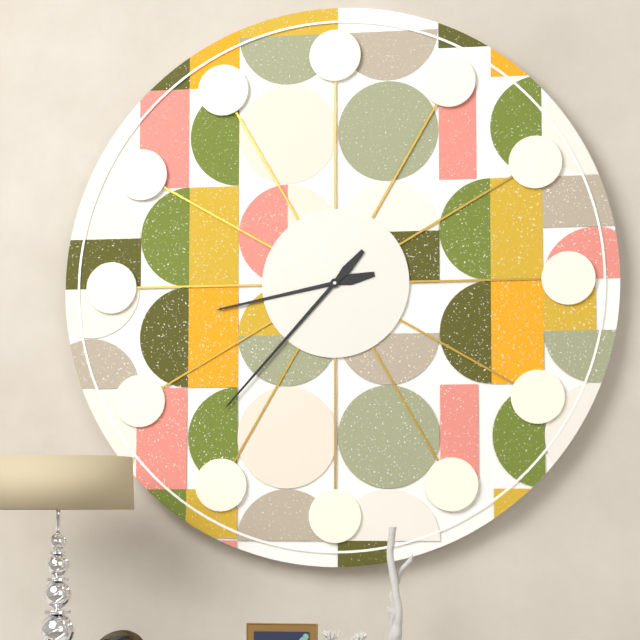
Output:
8.37
